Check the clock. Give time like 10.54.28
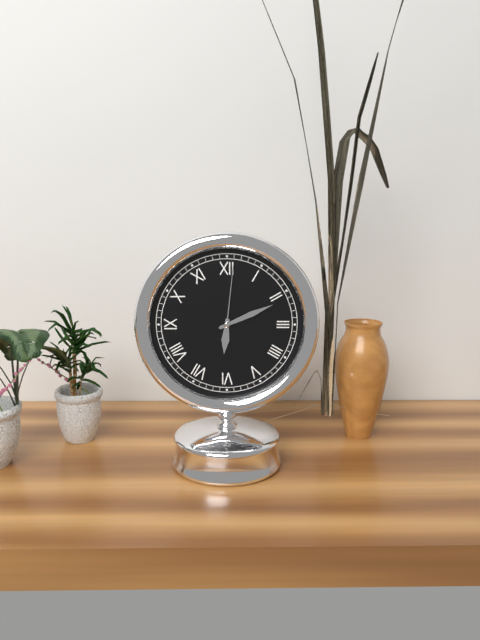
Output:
6.11.01
